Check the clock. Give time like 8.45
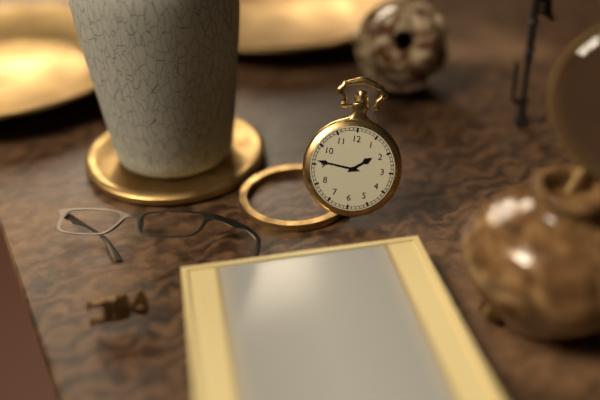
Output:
1.46
